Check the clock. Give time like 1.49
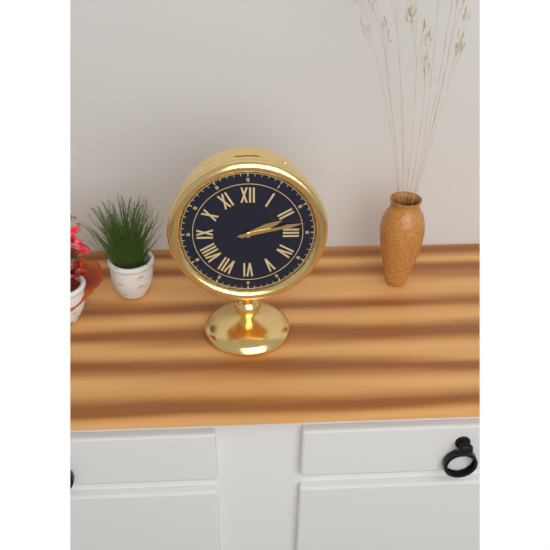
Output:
2.13
